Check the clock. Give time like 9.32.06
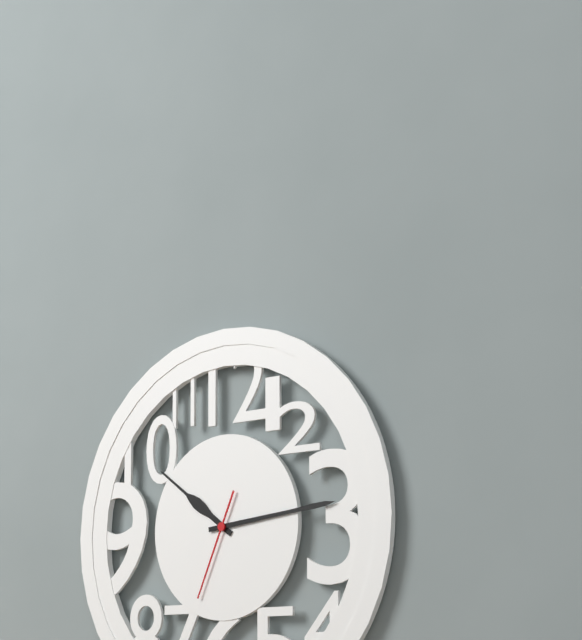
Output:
10.14.34
